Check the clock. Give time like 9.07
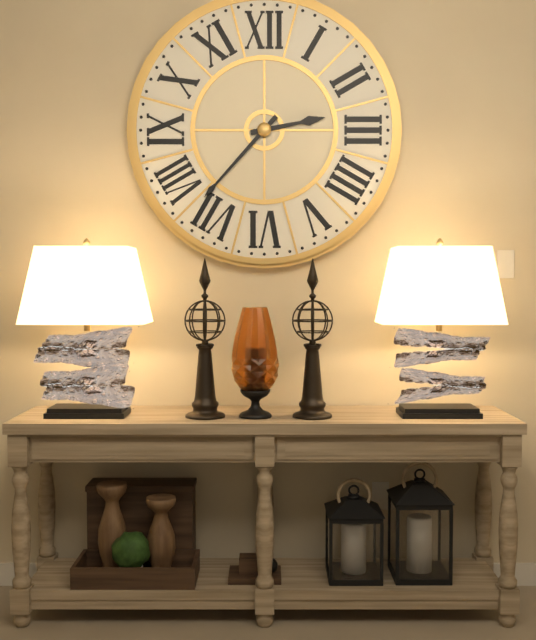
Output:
2.37
